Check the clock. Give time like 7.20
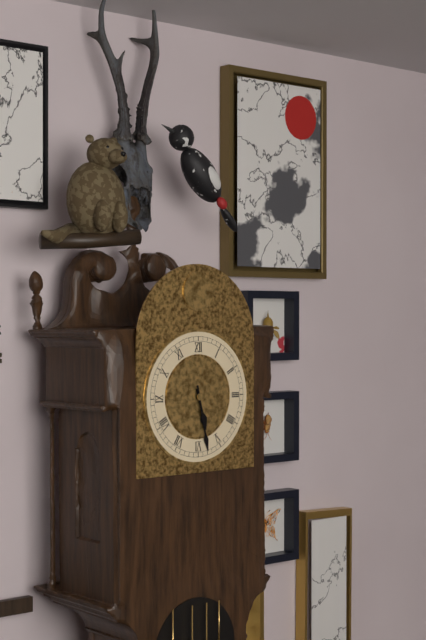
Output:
5.28
